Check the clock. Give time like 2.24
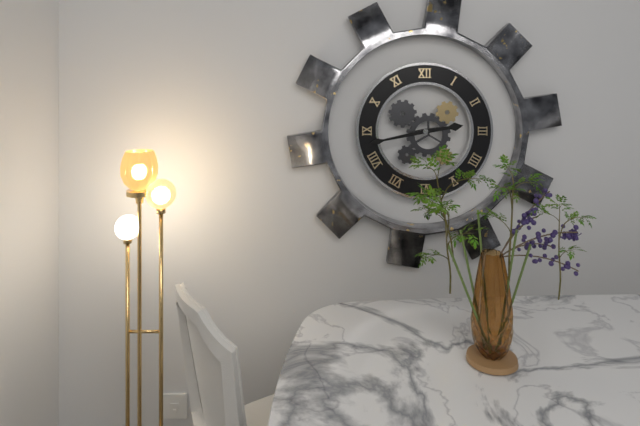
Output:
2.43
